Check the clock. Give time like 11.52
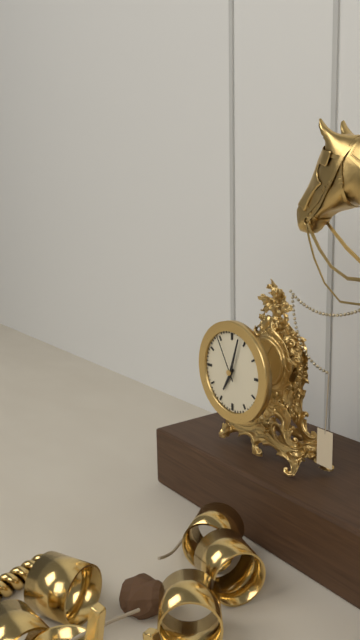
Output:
7.03
